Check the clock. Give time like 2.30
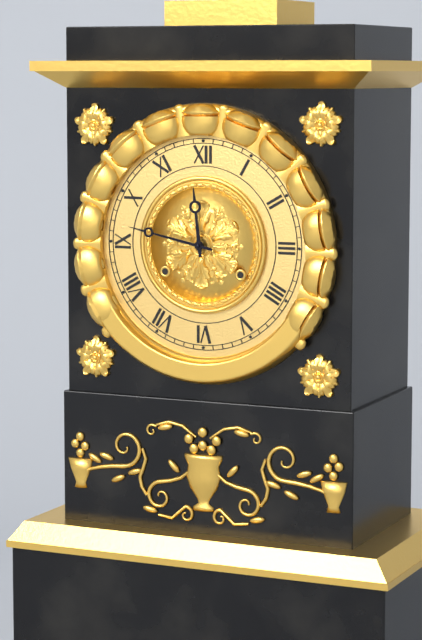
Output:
11.47
